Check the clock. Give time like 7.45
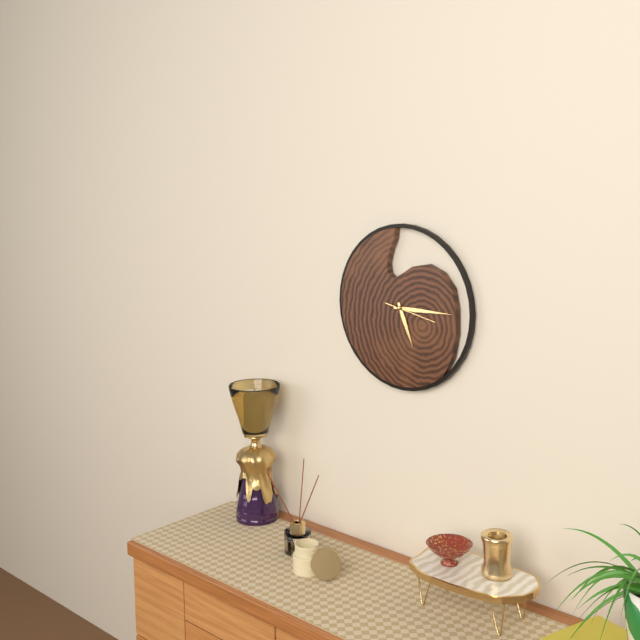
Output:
5.15
